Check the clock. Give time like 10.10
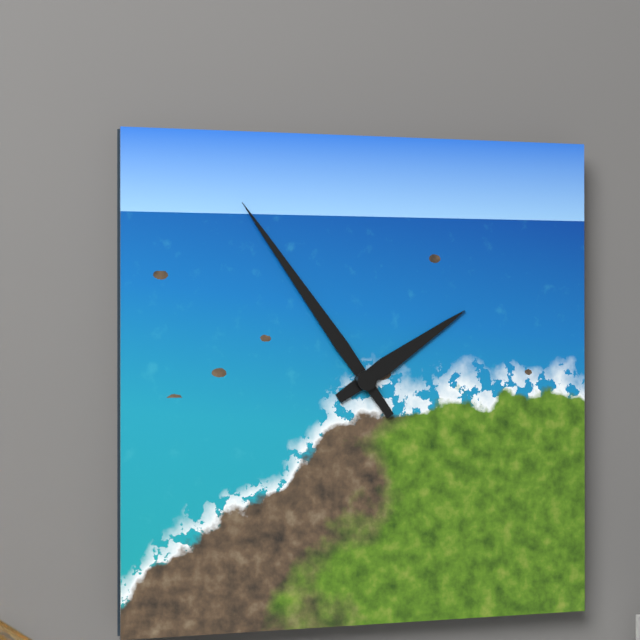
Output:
1.54
